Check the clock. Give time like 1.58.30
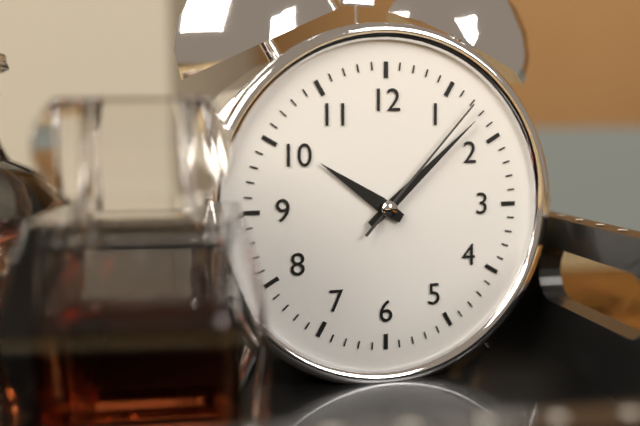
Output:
10.08.07
